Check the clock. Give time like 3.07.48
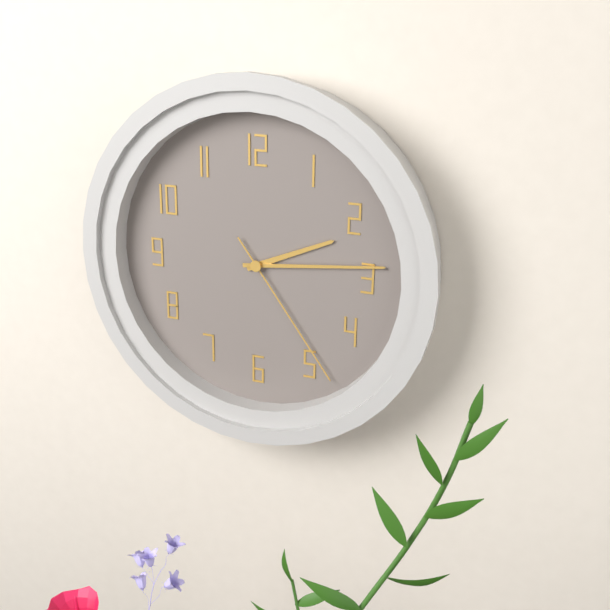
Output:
2.14.24
